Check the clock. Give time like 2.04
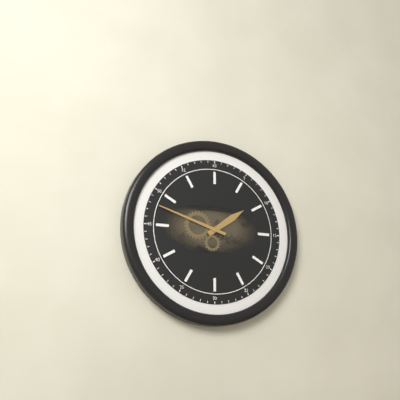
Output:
1.48
